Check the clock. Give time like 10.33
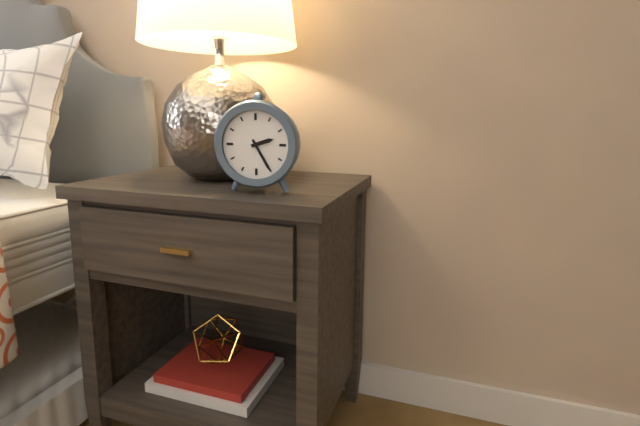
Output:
2.25
